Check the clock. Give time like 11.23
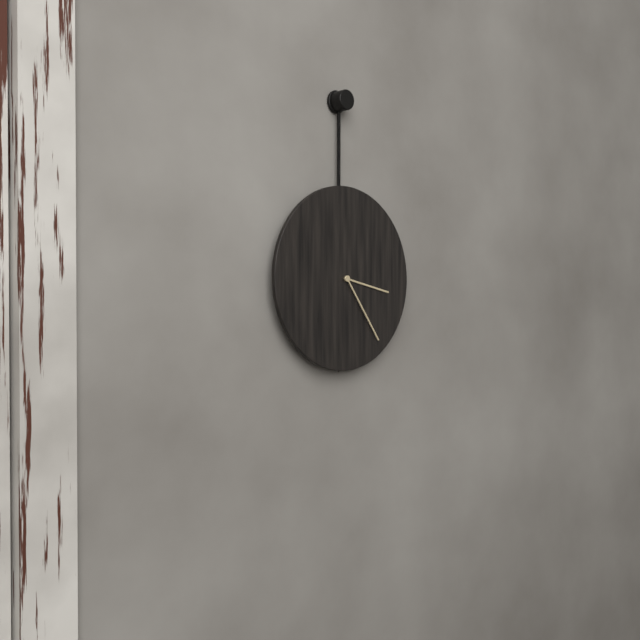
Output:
3.24
